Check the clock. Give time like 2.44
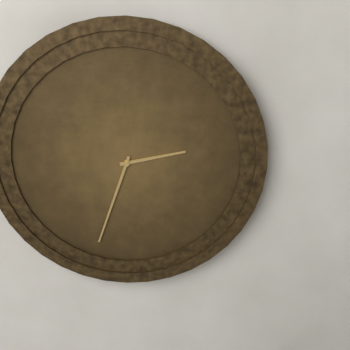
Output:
2.33
